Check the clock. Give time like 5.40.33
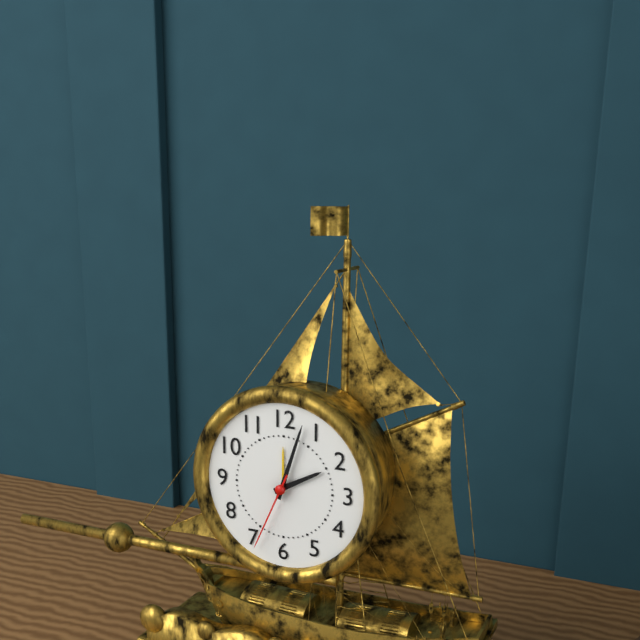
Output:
2.03.34
